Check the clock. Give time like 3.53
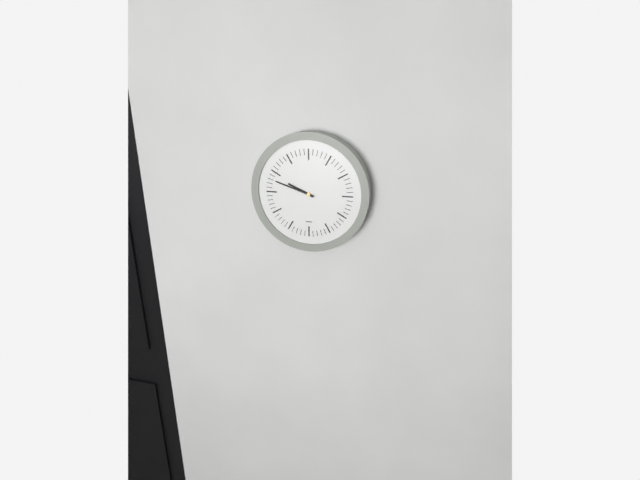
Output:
9.48
